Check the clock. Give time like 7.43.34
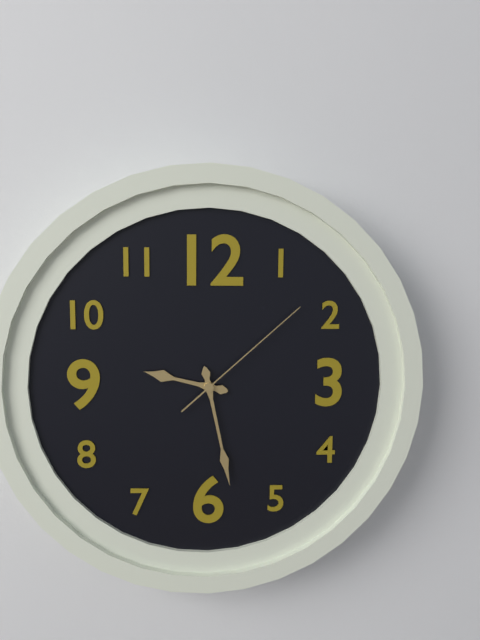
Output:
9.28.08
